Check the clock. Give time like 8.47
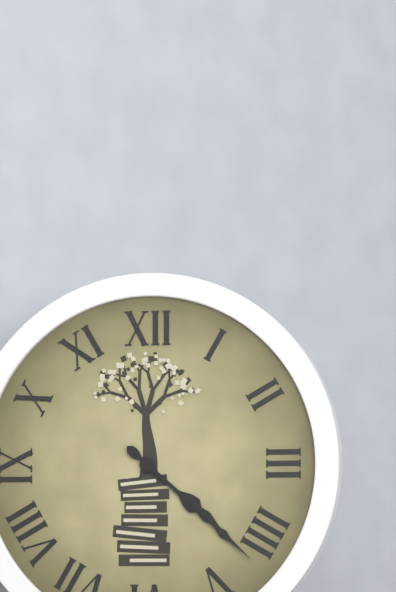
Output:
4.22
